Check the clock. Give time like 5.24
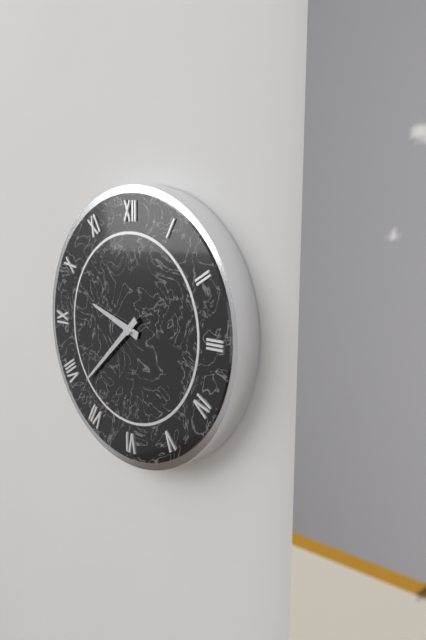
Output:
9.38
